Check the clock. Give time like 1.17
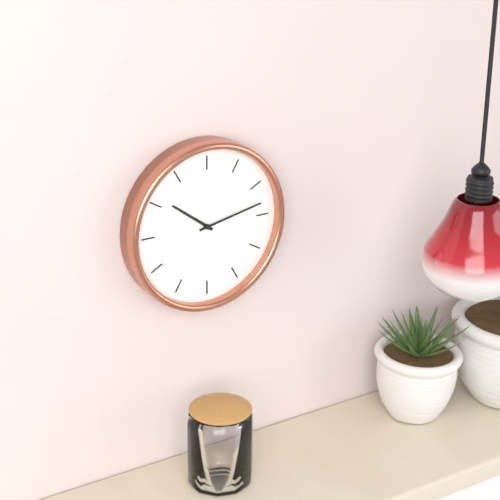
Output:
10.13
